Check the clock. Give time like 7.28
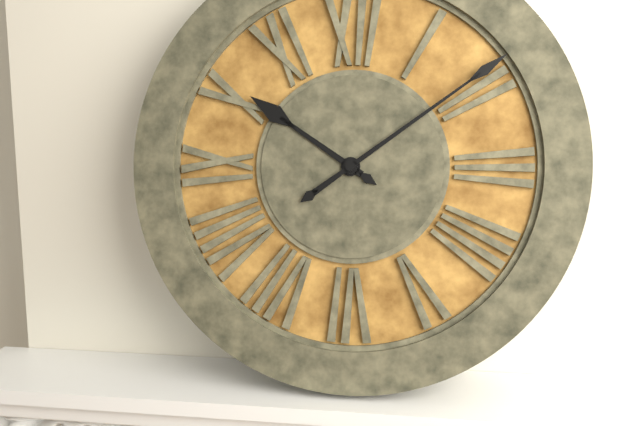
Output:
10.09
